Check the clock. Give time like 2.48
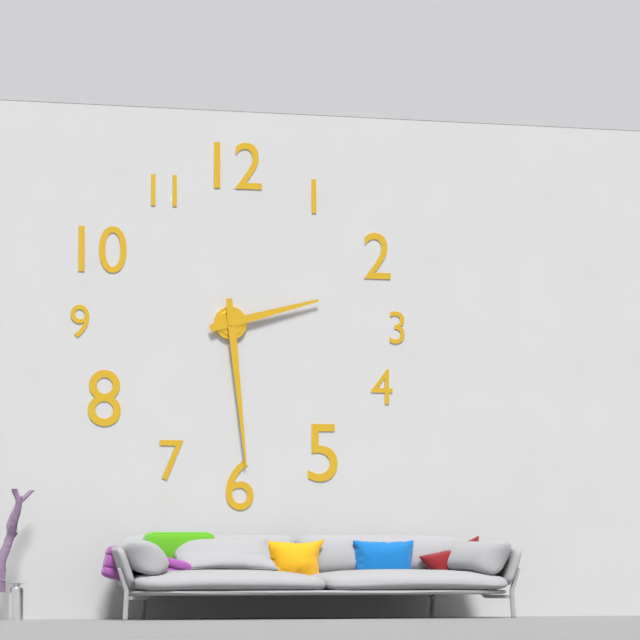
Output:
2.29
